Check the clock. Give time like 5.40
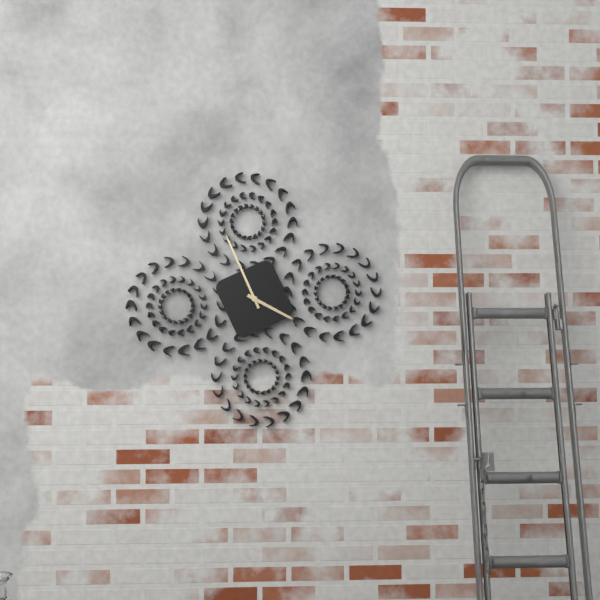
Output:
3.56
